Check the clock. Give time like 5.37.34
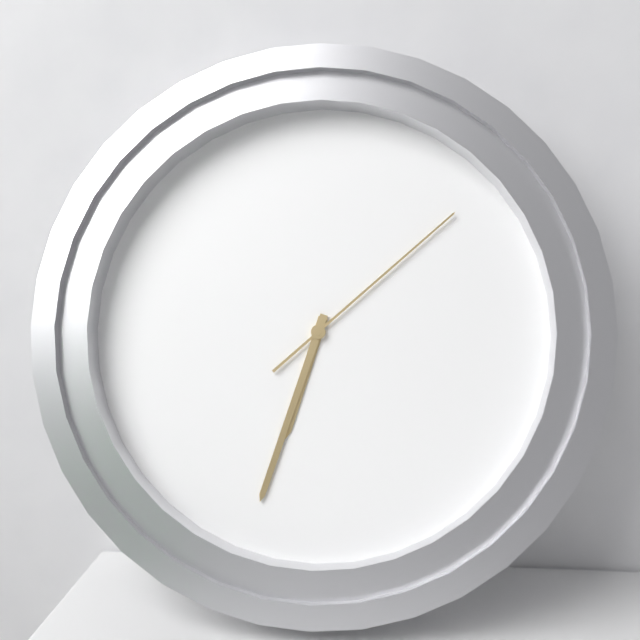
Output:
6.33.08
